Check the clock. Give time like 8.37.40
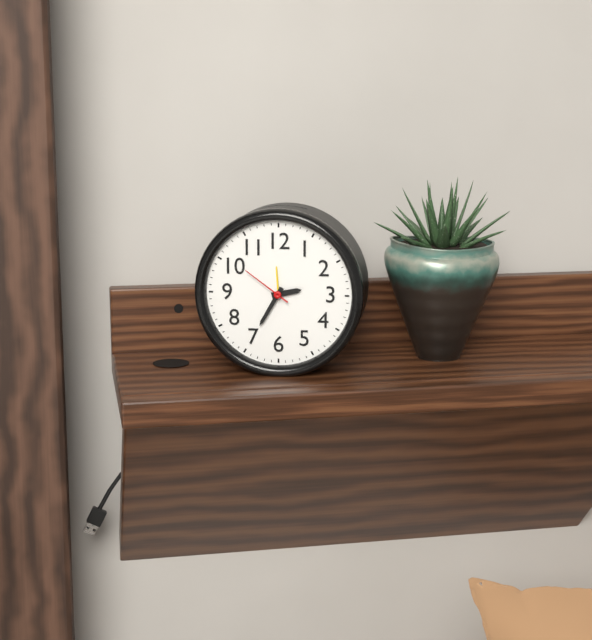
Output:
2.35.51
